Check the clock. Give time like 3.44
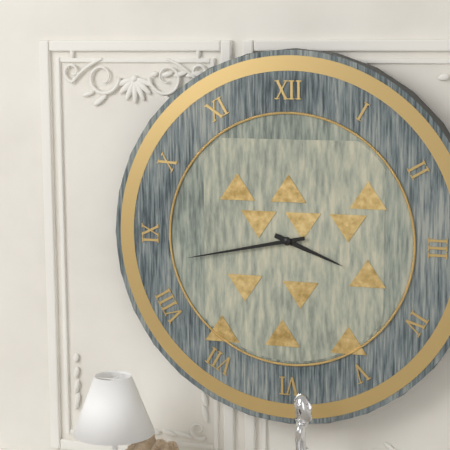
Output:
3.43
